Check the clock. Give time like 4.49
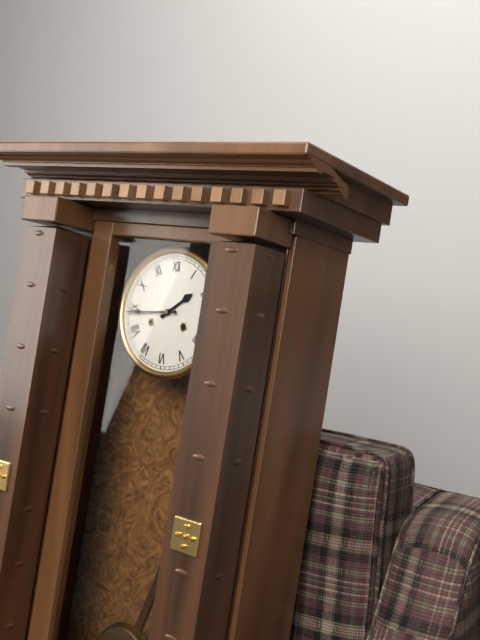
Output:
1.44
